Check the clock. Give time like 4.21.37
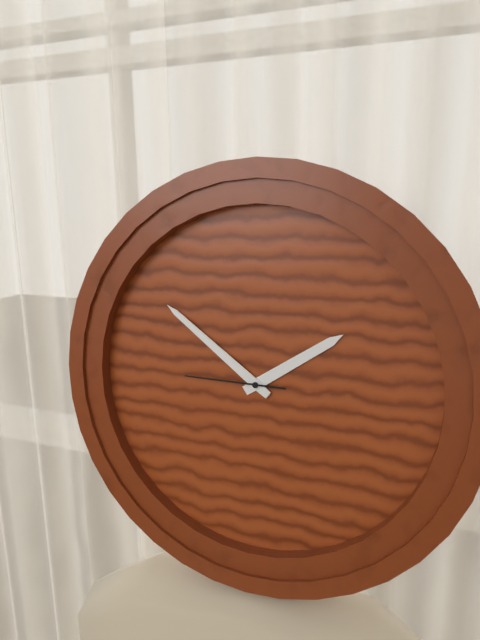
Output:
1.51.45
